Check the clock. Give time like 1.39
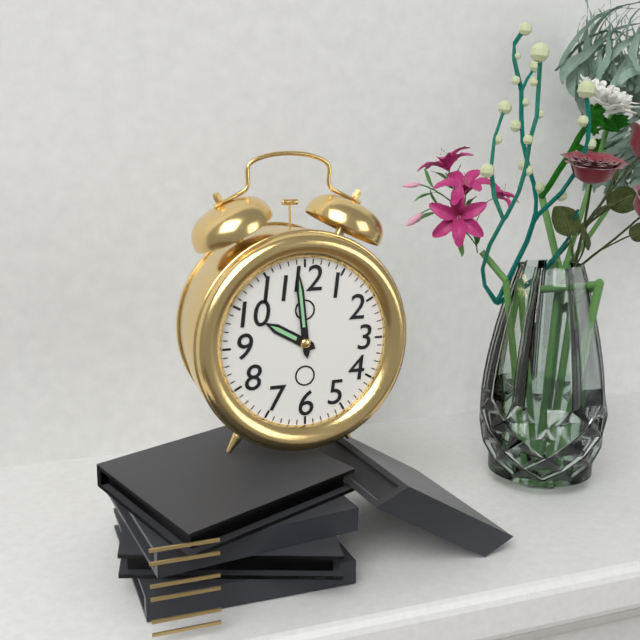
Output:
9.59
